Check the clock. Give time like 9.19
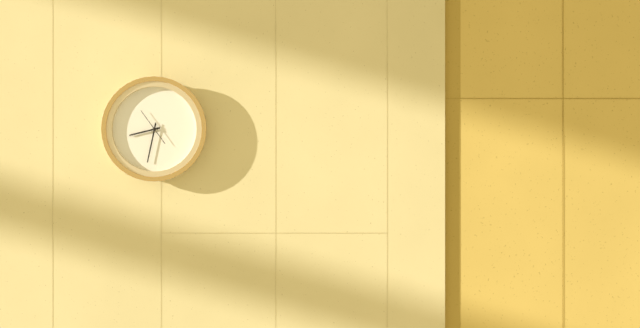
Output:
8.32
